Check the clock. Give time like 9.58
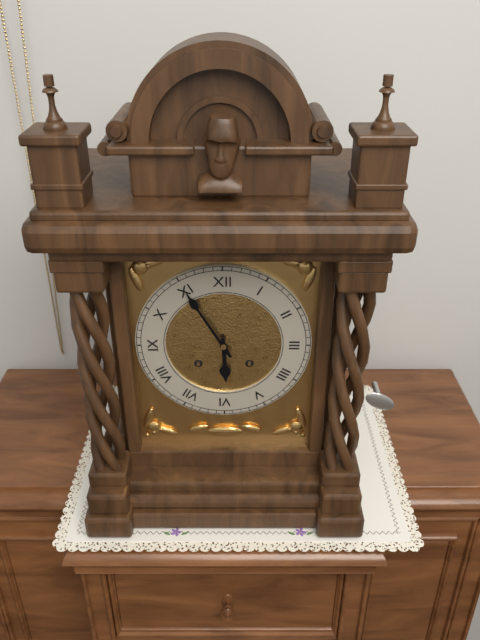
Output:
5.55
